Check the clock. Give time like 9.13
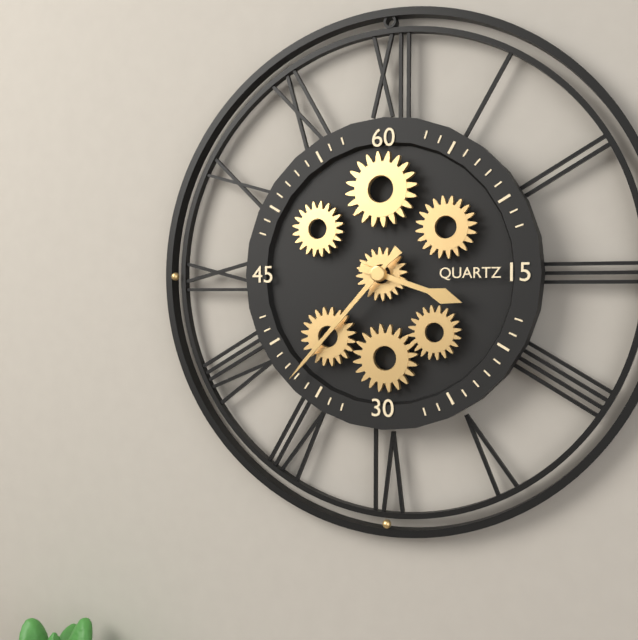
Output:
3.37
